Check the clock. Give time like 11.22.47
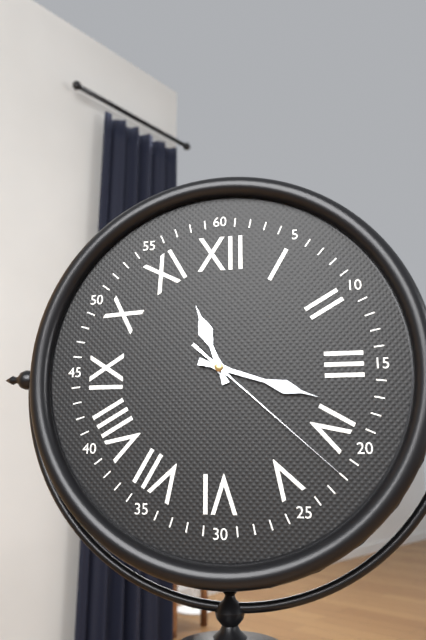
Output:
11.18.22
